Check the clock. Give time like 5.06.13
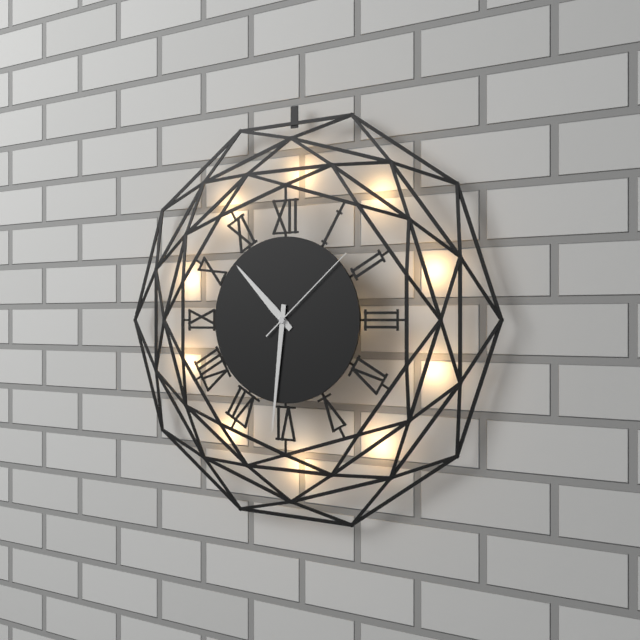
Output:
10.31.08
